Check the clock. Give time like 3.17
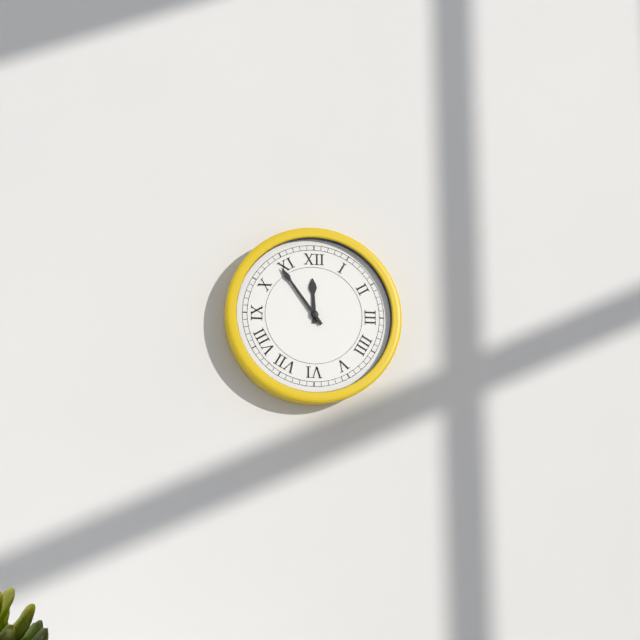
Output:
11.54
